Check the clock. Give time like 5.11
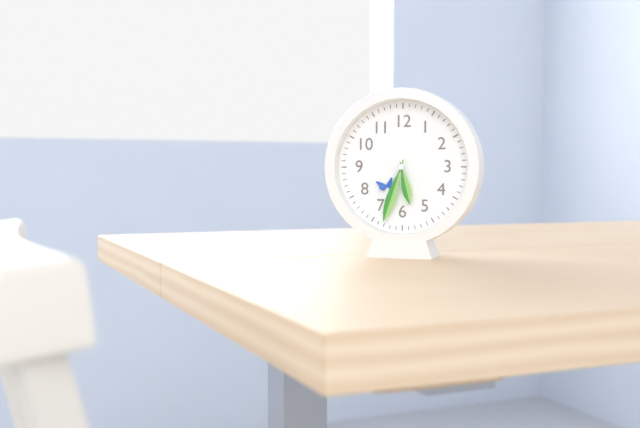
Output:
5.33
